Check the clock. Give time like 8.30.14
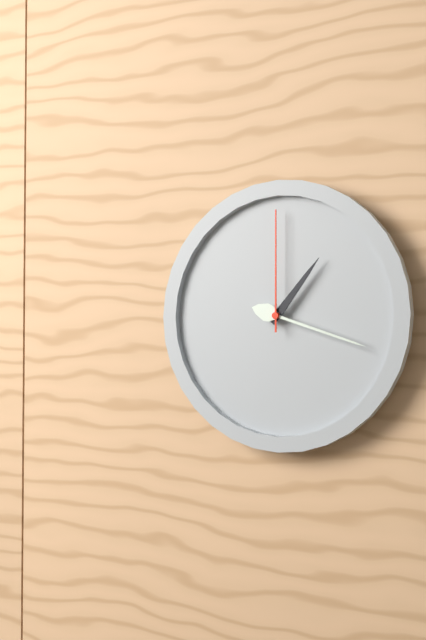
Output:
1.18.00
